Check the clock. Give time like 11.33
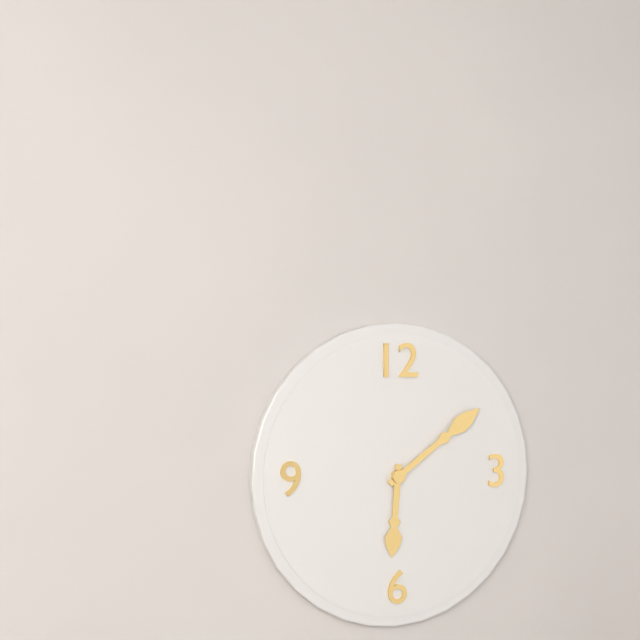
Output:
6.09
